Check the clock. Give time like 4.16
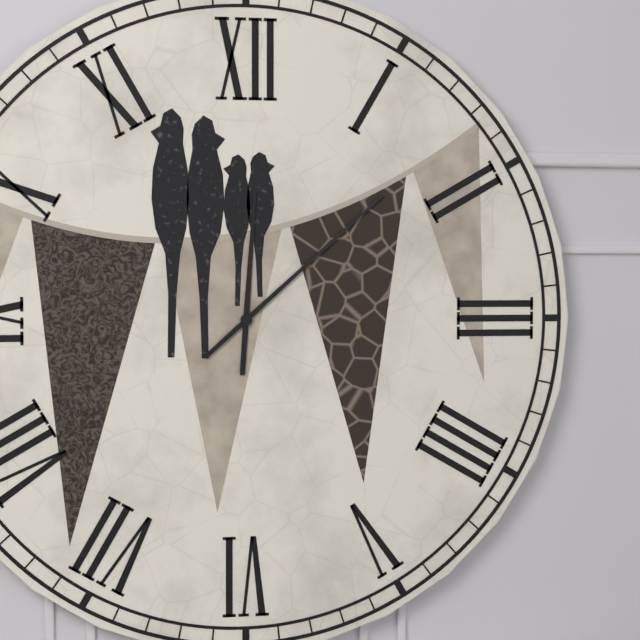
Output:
12.08
